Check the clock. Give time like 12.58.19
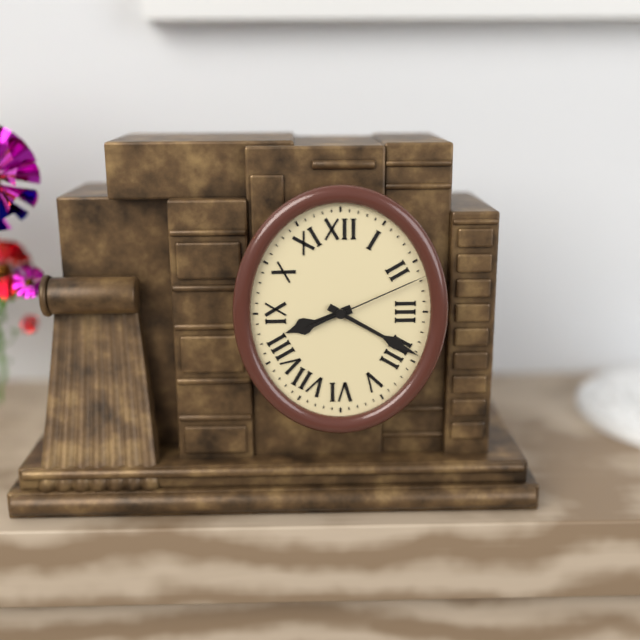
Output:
8.20.11
